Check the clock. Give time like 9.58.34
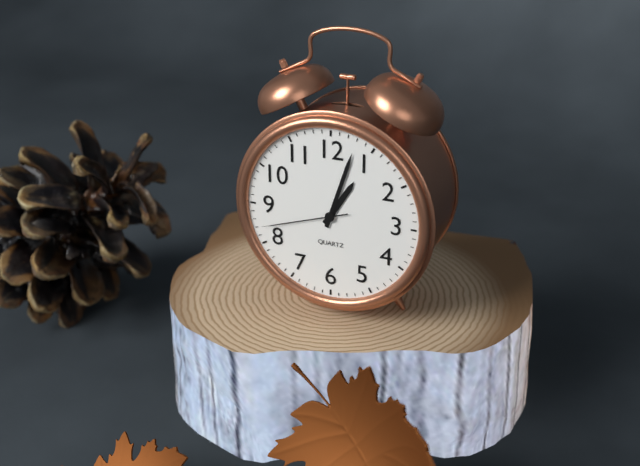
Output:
1.03.42
